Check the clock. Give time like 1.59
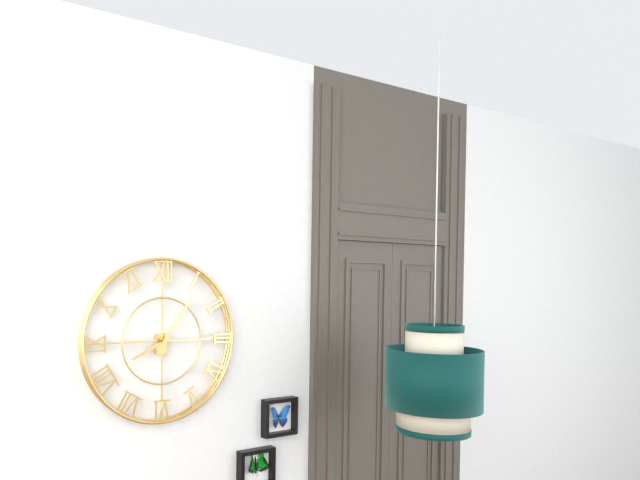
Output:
8.06
